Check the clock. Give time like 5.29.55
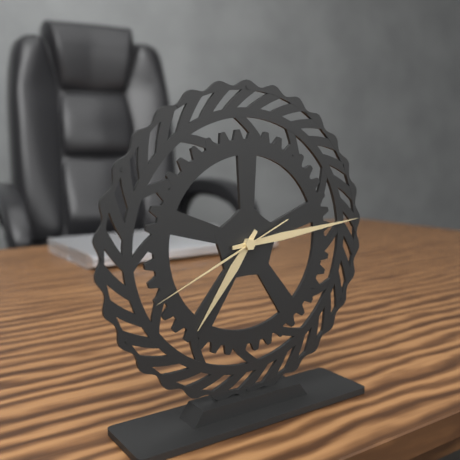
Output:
7.14.41
